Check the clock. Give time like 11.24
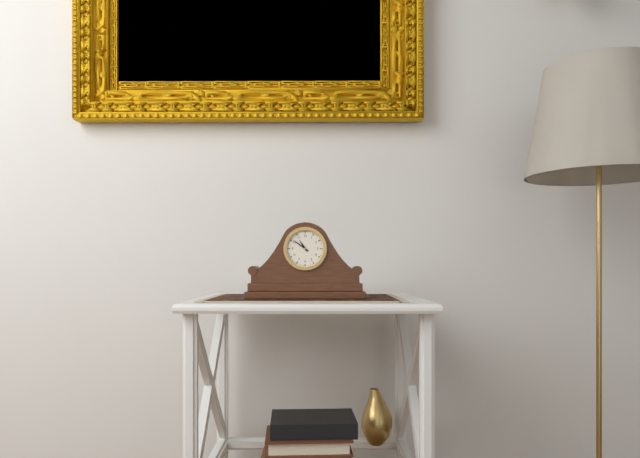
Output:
10.51
